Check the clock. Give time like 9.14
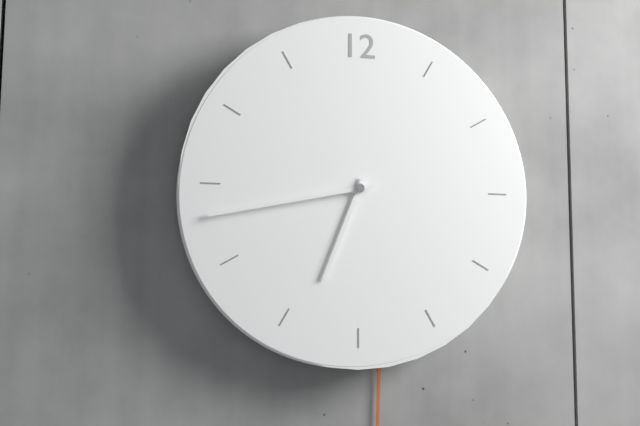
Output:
6.43
